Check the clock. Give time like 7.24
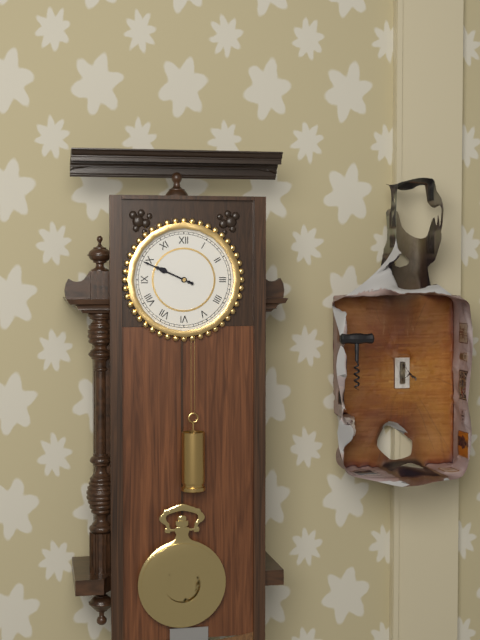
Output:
9.49
